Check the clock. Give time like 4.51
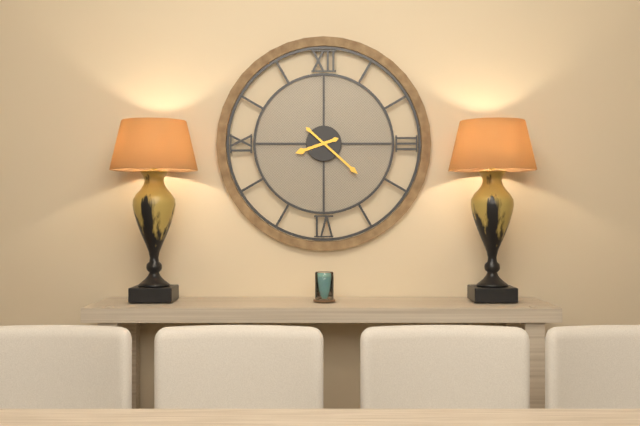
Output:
8.22
